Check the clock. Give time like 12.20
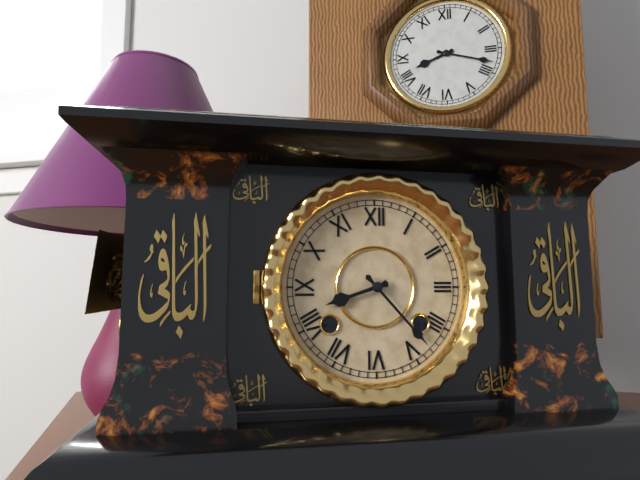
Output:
8.23
